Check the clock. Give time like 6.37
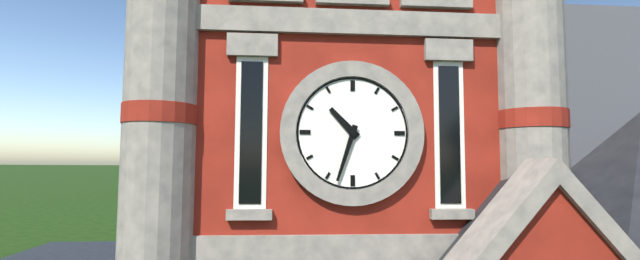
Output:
10.33
